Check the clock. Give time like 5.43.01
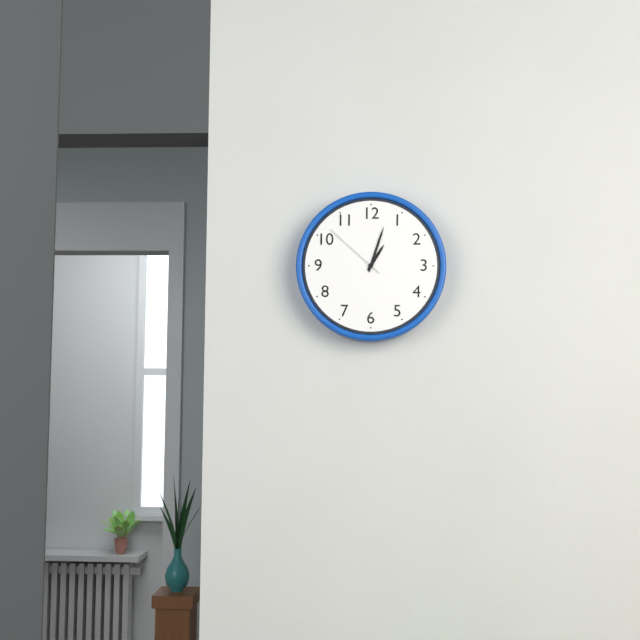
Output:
1.03.52
